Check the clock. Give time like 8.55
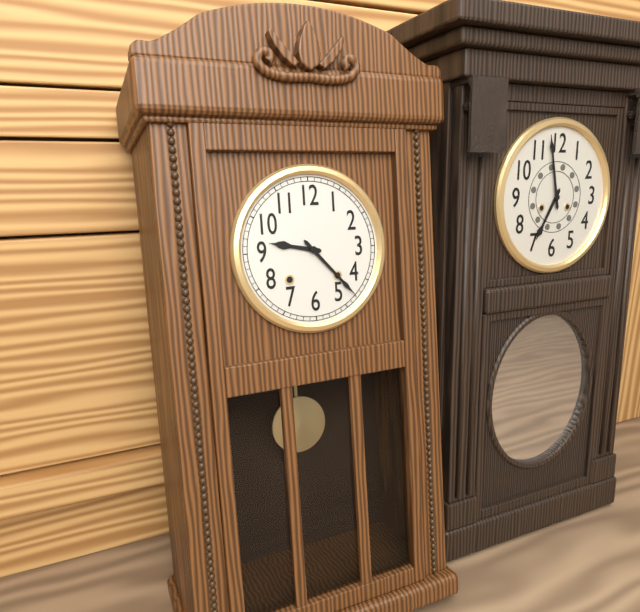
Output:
9.23
